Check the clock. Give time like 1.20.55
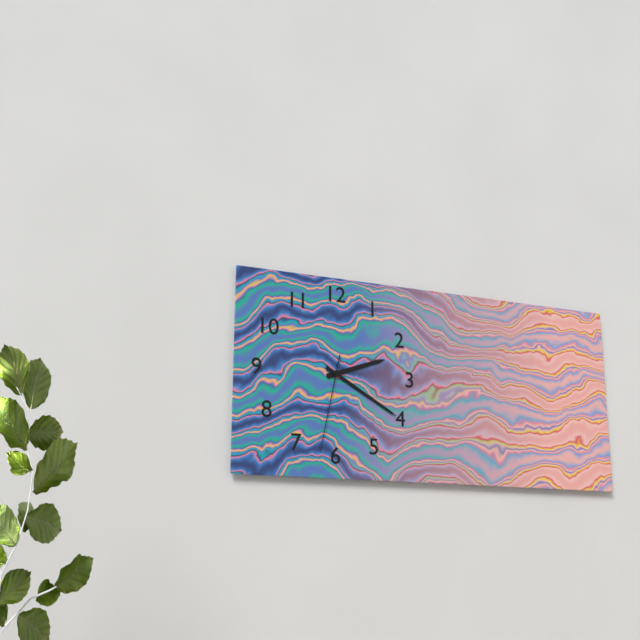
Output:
2.20.32
